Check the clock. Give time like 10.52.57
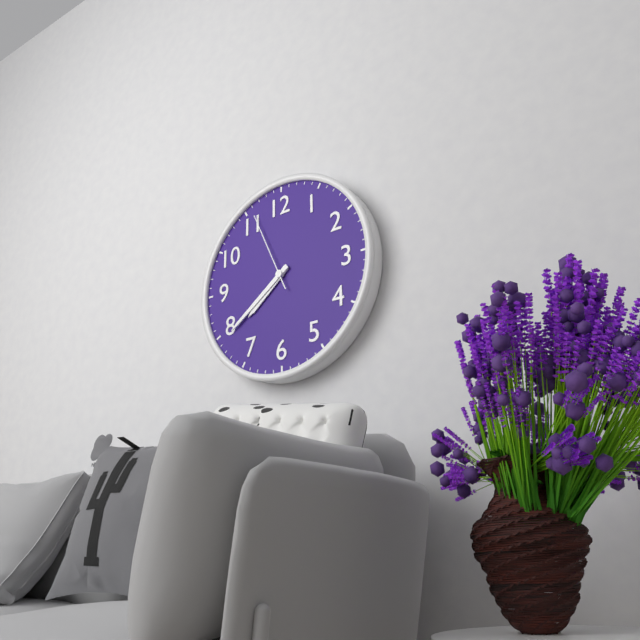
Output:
7.39.56
